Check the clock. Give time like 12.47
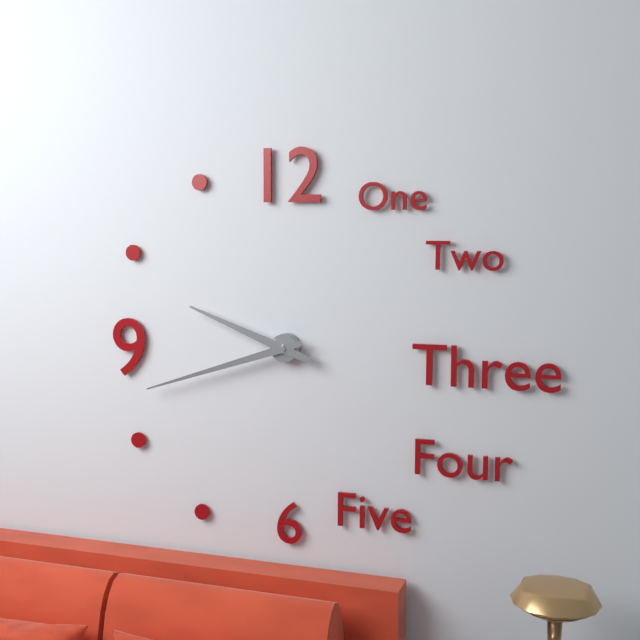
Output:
9.42
